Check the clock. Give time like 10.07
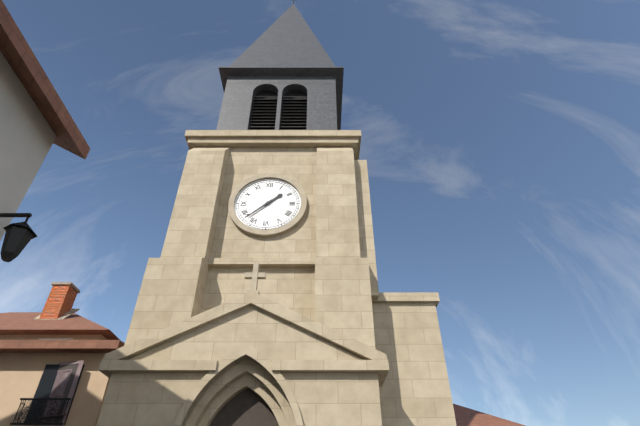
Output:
1.38
